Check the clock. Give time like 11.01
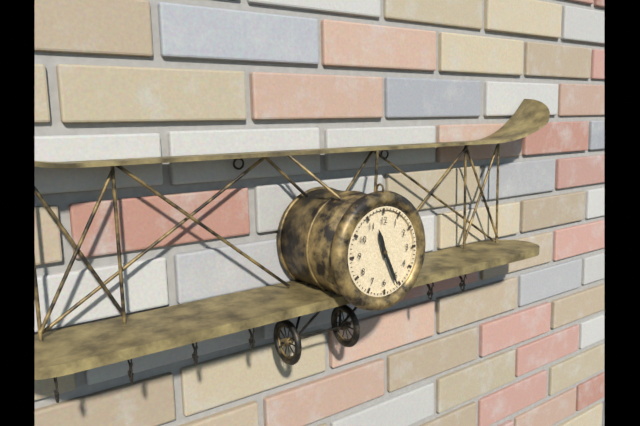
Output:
11.26
